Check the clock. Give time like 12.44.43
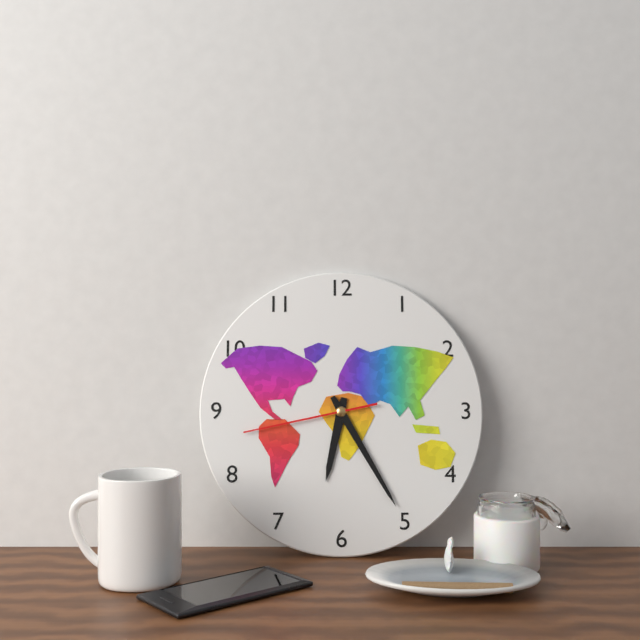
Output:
6.25.43
